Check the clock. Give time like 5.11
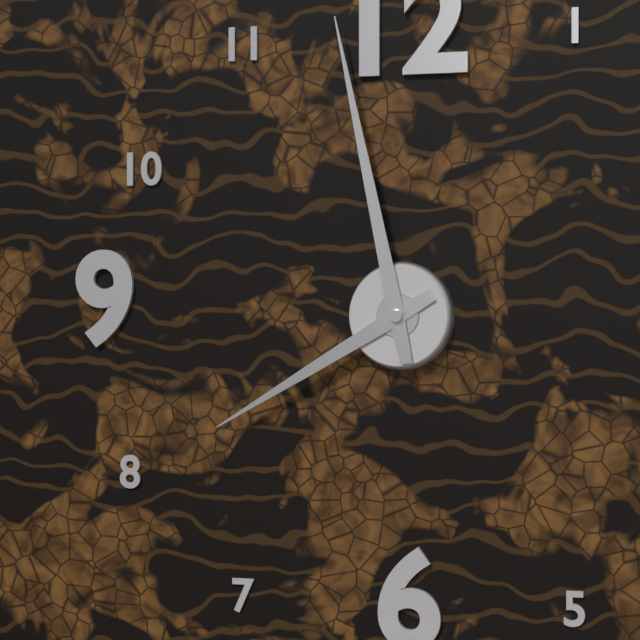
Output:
7.58
